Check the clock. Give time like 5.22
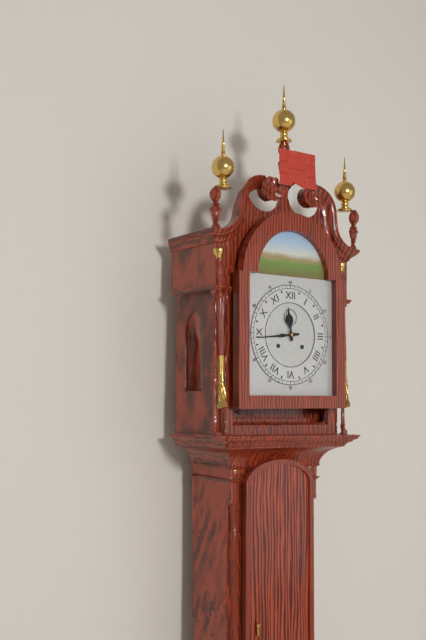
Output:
11.44
